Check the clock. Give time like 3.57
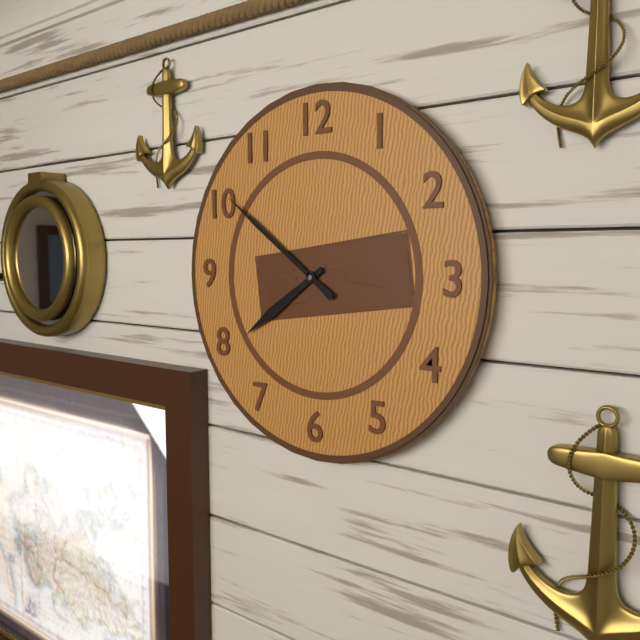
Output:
7.51
